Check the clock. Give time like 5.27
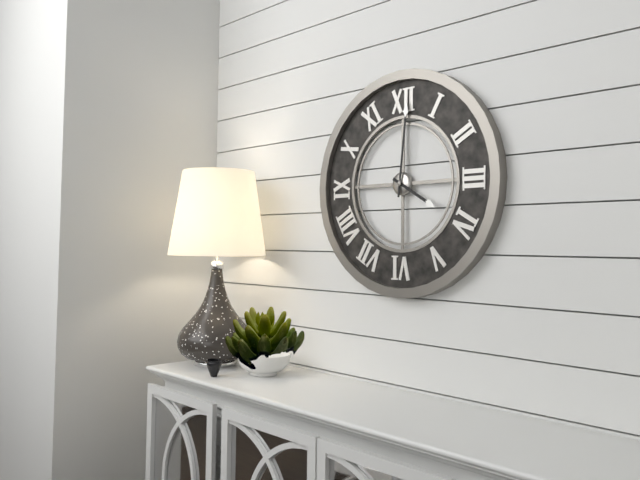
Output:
4.01
